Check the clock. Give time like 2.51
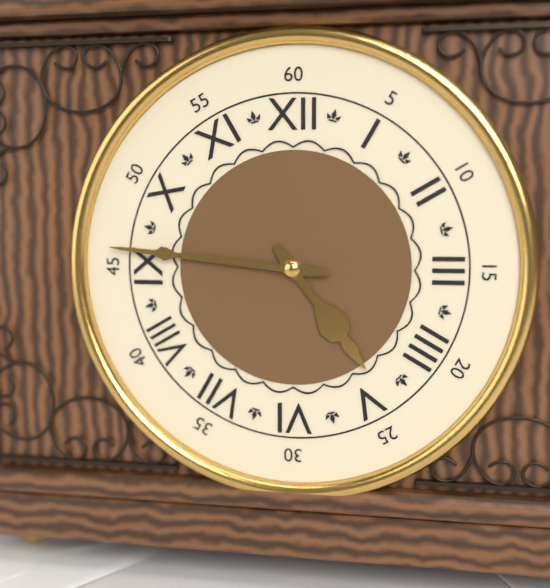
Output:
4.46
